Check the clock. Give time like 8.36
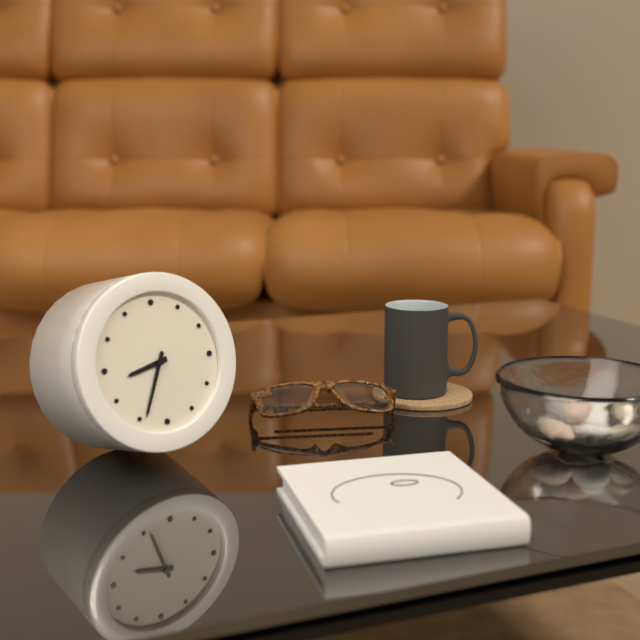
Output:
8.34
